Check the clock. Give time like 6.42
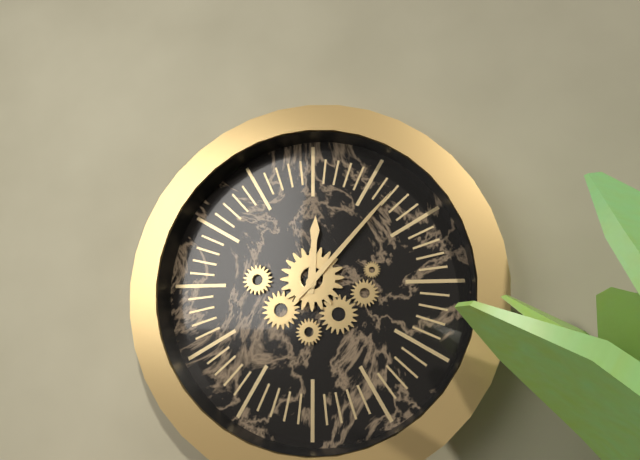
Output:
12.07
